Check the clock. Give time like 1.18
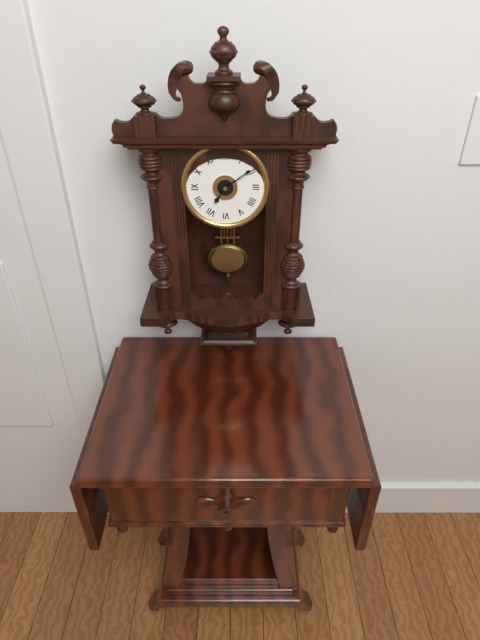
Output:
7.09
